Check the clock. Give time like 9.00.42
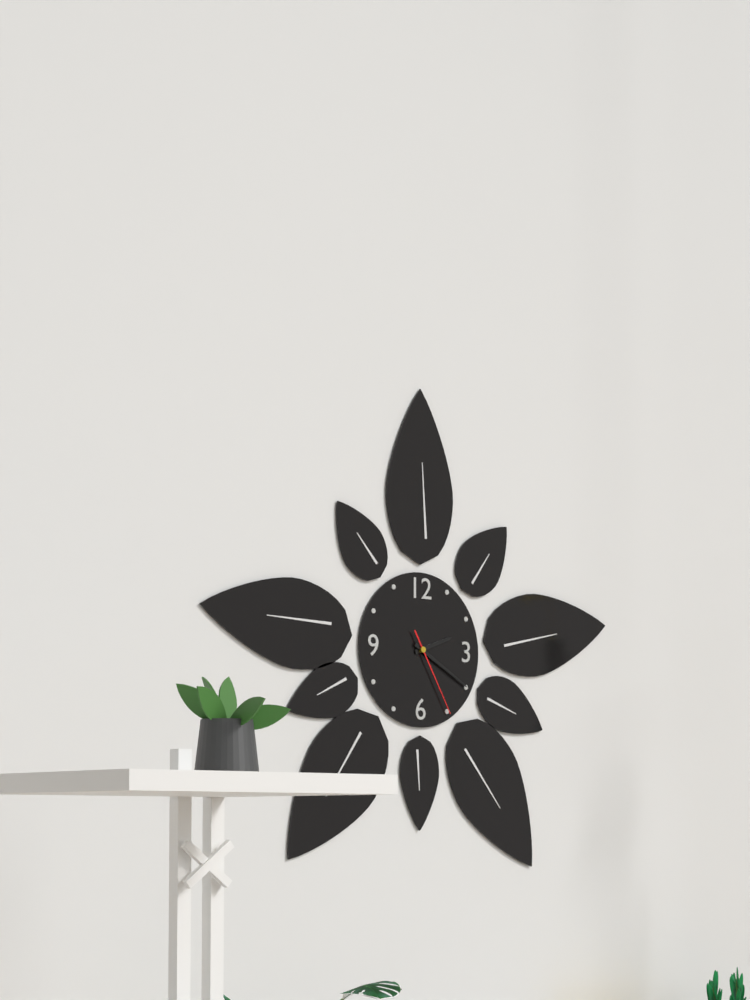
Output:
2.20.25
